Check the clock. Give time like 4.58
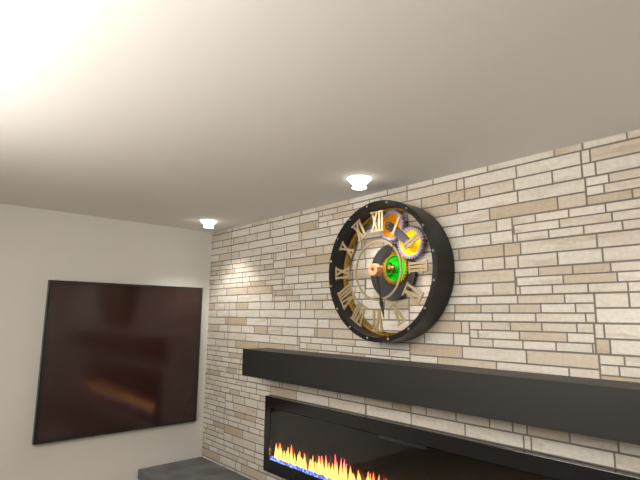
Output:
1.28
